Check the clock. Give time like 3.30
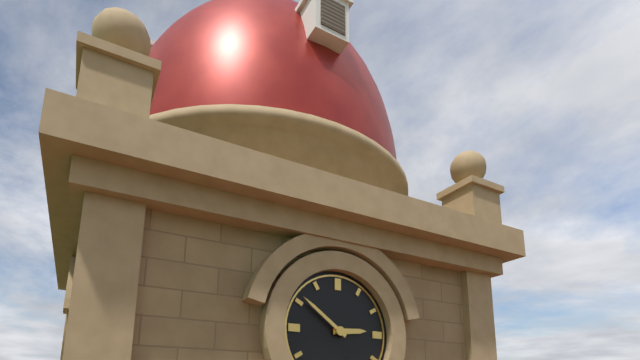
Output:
2.51
